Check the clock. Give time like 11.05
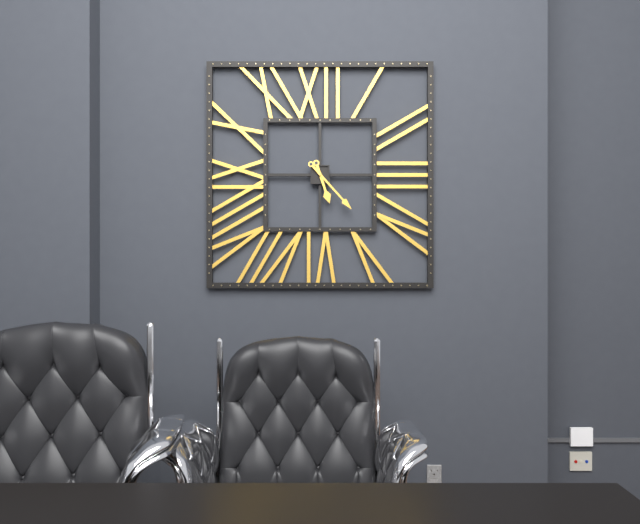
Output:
5.23
